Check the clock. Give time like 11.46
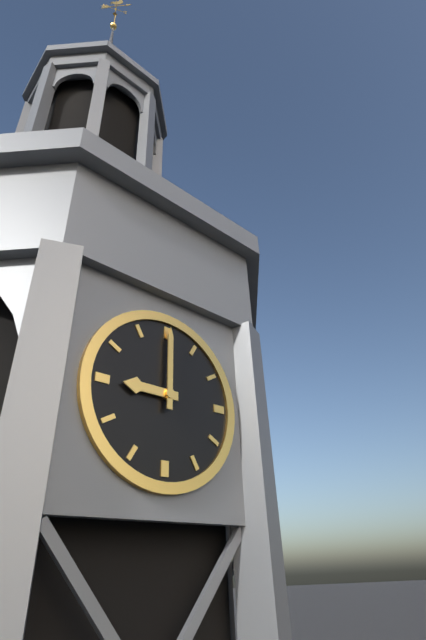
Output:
9.00
